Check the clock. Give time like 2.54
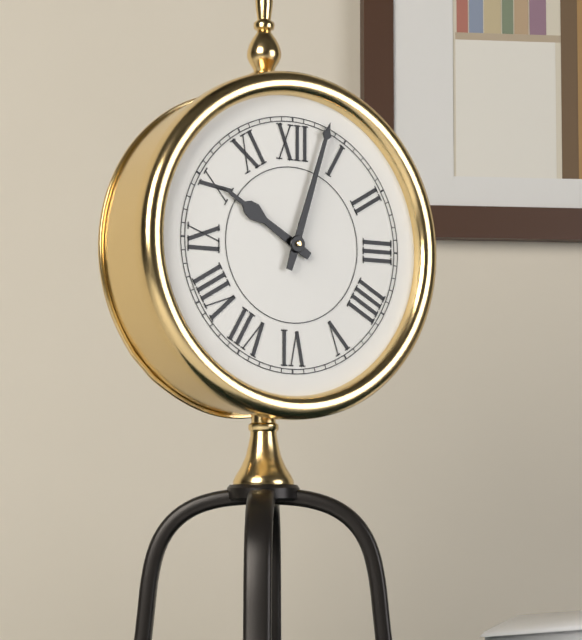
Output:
10.03
